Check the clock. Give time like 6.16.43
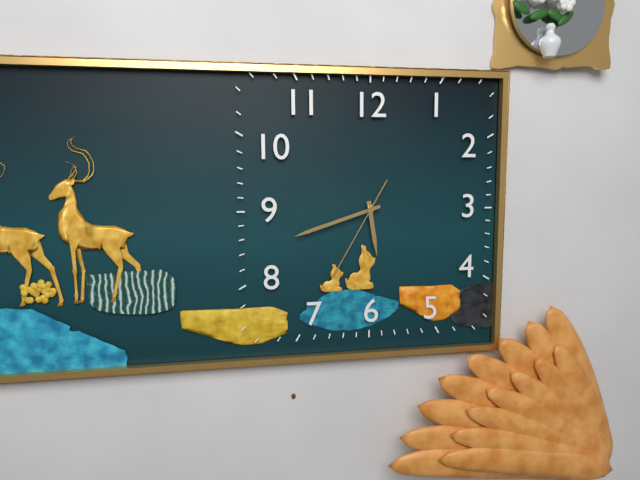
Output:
5.42.35
